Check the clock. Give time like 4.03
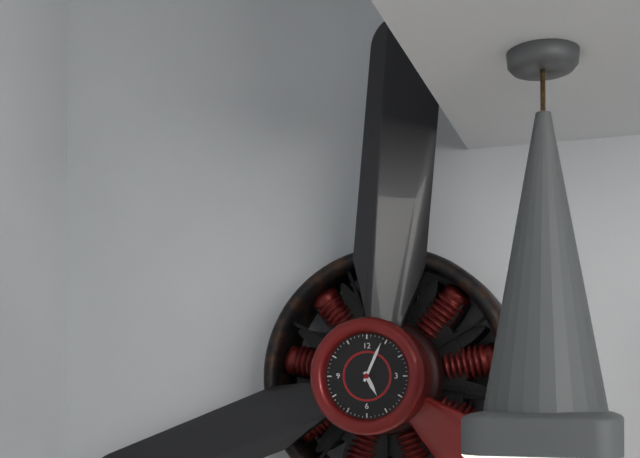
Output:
5.04
